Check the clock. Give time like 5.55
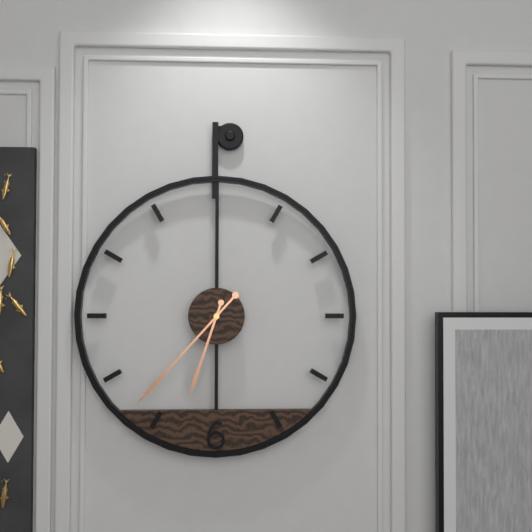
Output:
6.37
